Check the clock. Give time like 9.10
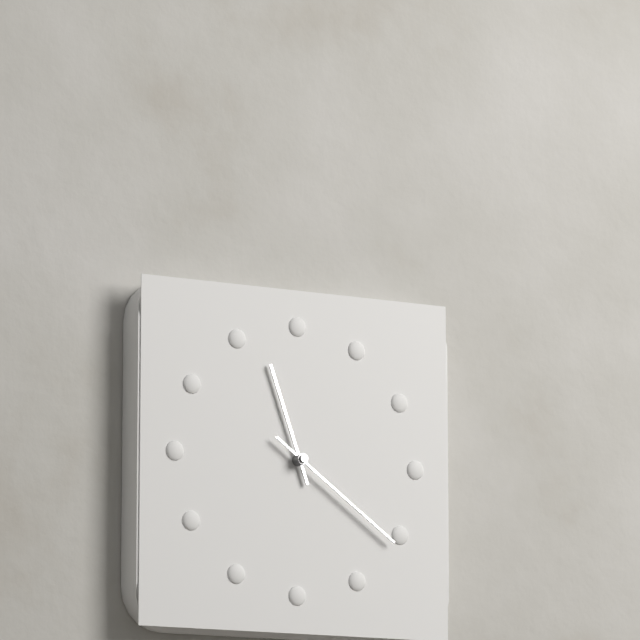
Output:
11.21
